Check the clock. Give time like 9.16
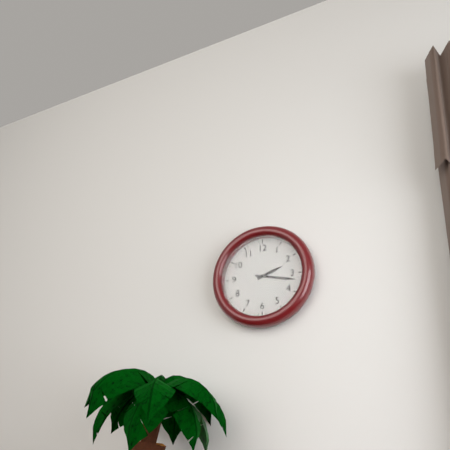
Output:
2.17
